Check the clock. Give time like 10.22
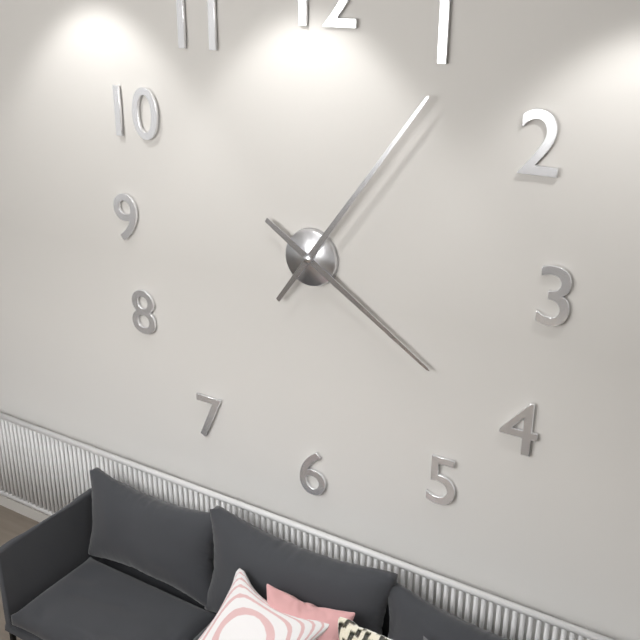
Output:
4.06
